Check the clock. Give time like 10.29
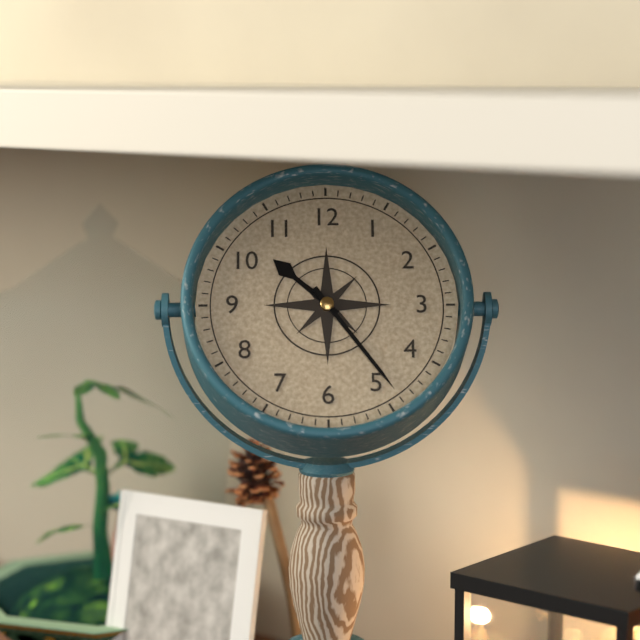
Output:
10.24
